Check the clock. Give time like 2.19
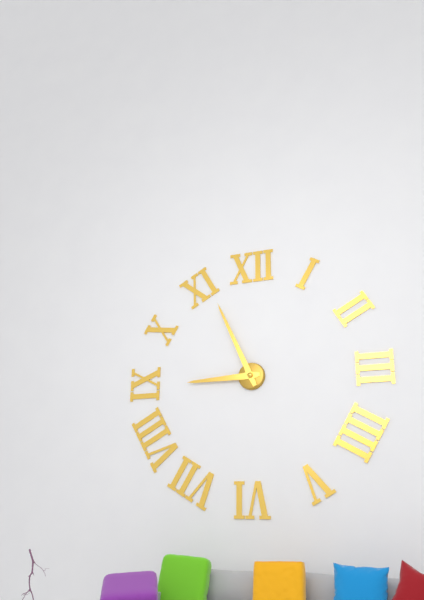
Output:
8.56
